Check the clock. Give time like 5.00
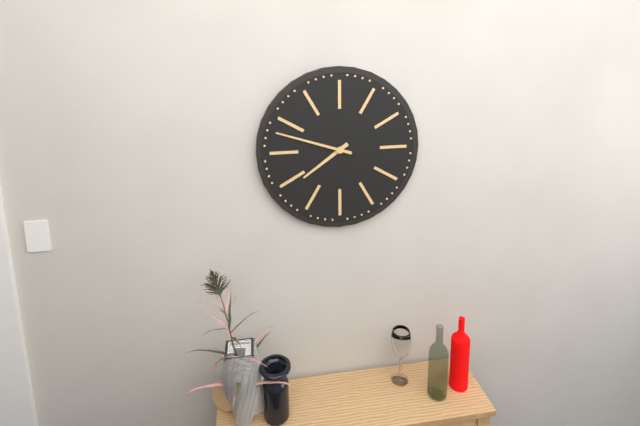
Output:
7.48
